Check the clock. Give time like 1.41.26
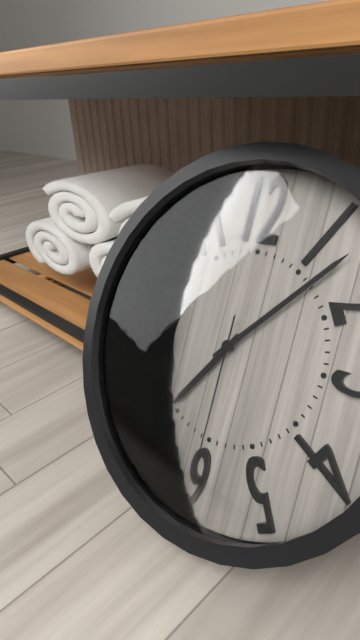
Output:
7.07.30
